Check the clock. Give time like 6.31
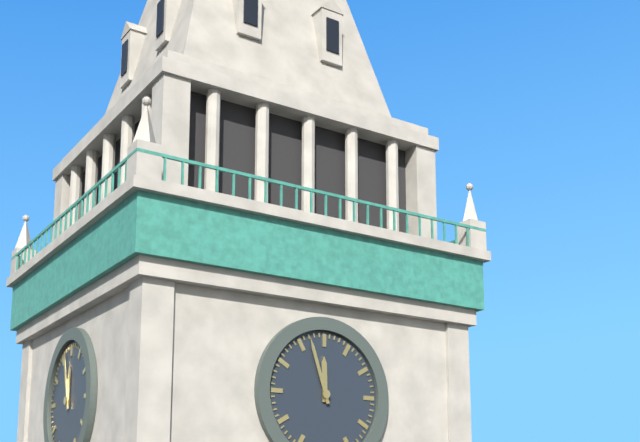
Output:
11.57
